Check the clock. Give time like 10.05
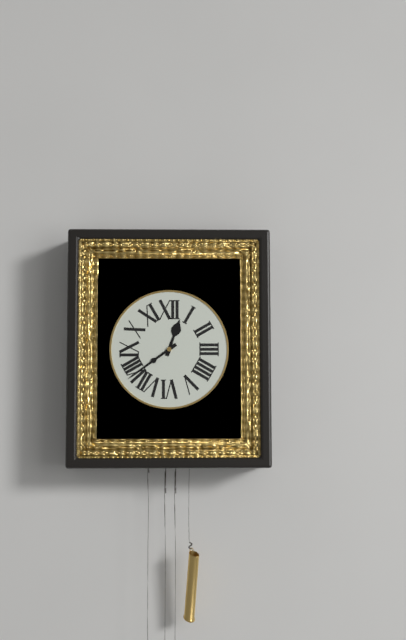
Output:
12.39
